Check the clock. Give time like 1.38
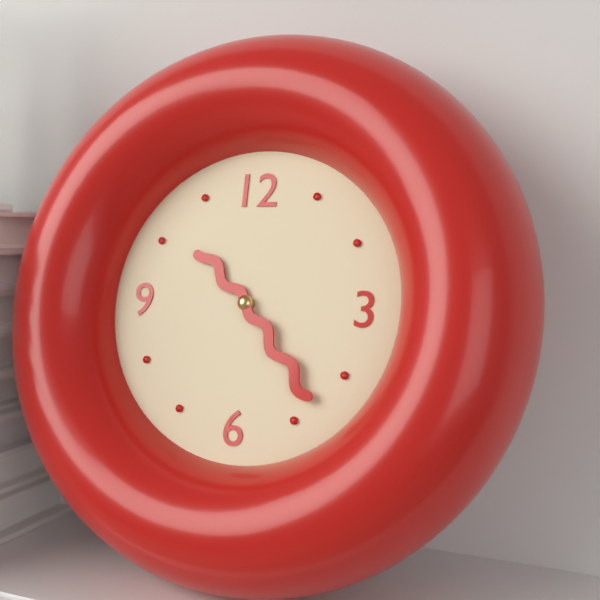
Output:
10.23
